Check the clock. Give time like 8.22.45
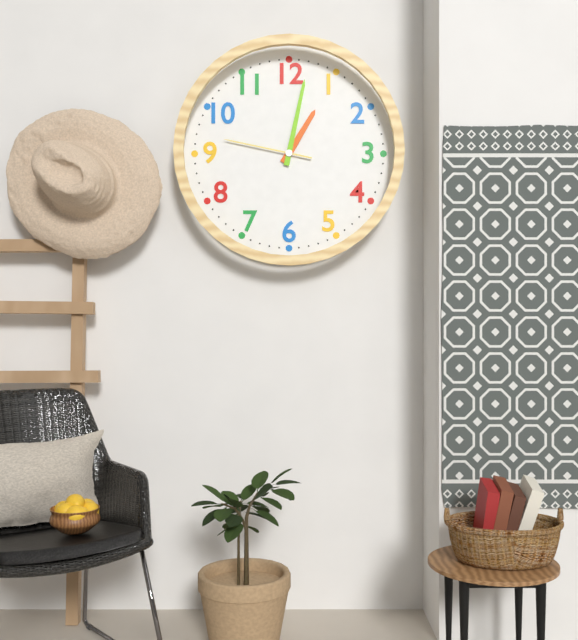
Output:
1.02.47
